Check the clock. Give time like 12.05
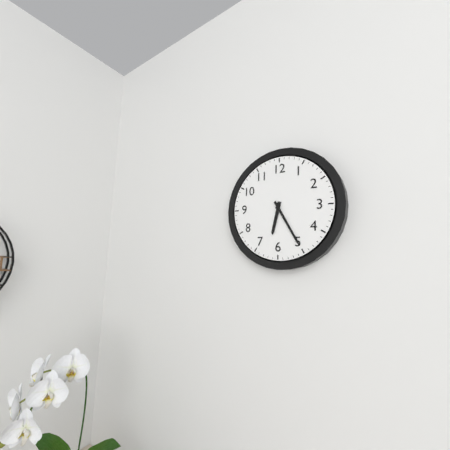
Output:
6.25
